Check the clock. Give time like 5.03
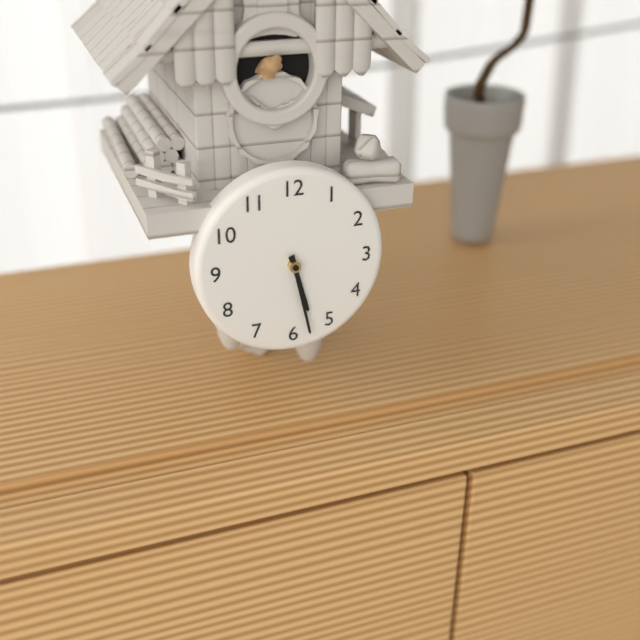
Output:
5.28
